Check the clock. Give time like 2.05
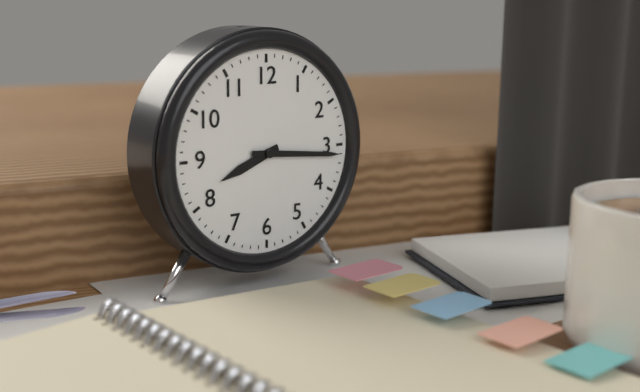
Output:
8.16
